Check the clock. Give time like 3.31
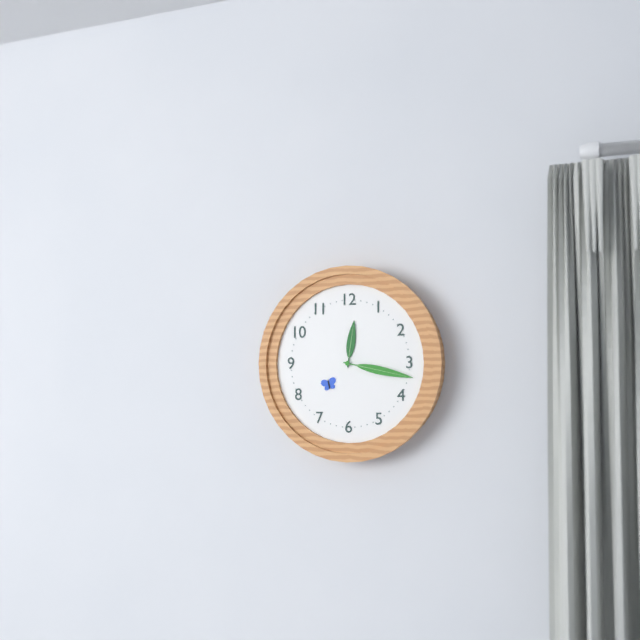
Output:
12.17
